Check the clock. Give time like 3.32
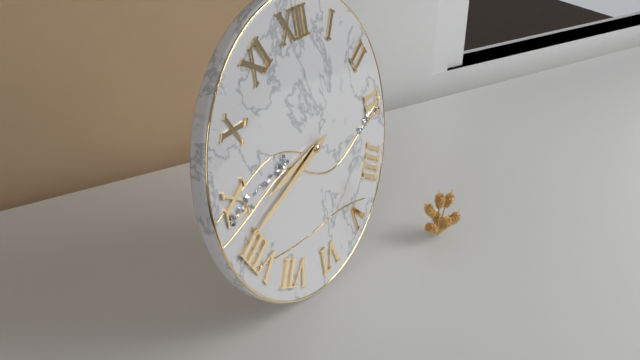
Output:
8.42
